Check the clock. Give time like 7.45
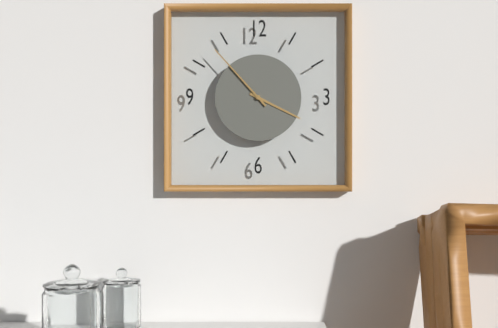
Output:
3.53
